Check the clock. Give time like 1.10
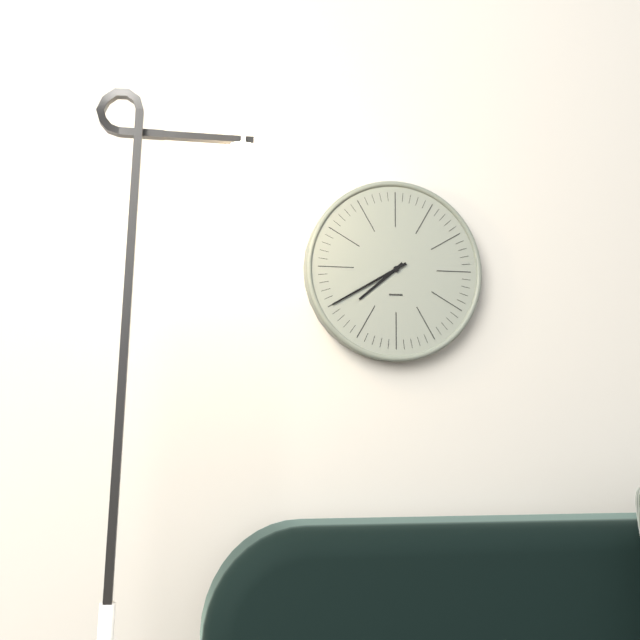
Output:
7.40
